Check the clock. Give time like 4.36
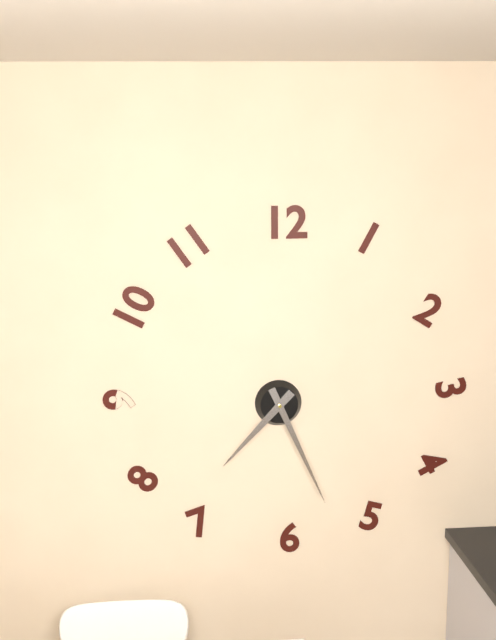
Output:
7.26
